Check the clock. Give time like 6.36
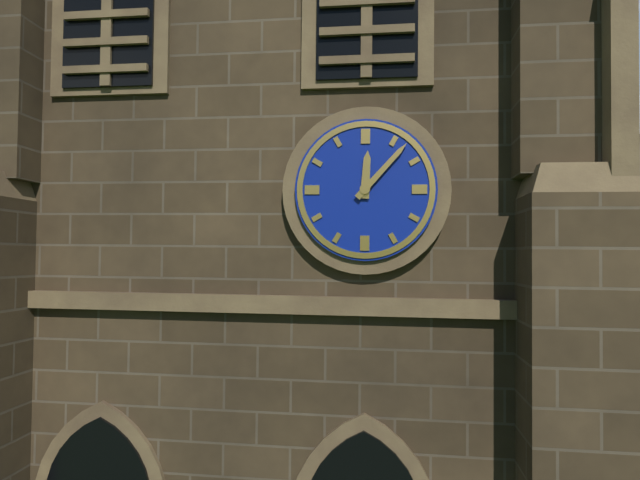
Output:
12.07
